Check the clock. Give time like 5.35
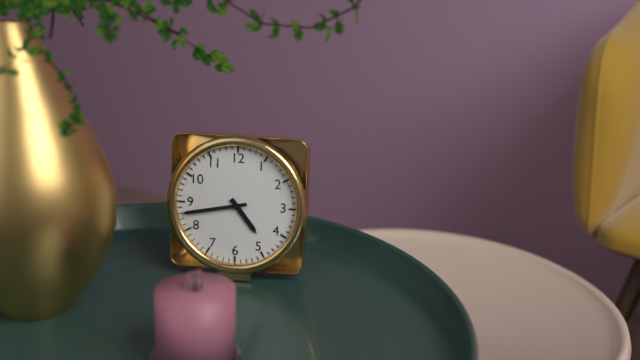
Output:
4.43
